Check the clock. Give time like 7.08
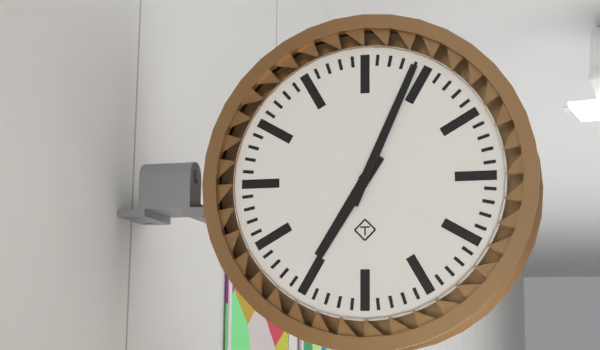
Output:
7.04
